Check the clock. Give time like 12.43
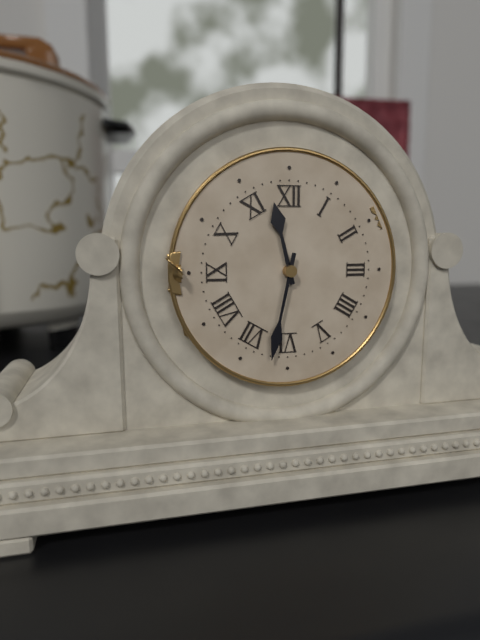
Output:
11.32
